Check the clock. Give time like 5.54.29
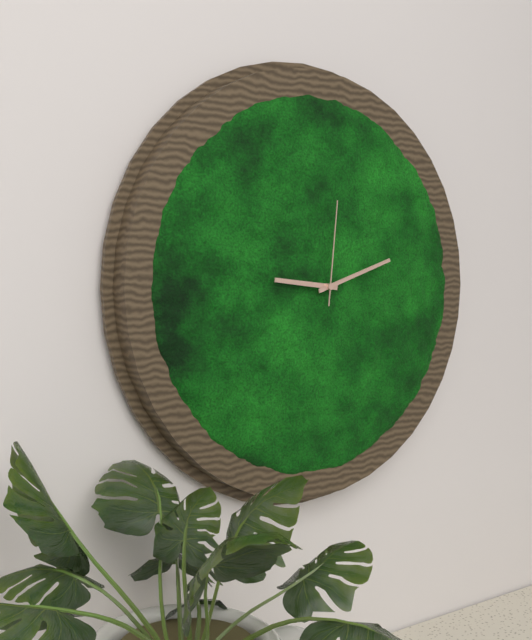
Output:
9.12.01
